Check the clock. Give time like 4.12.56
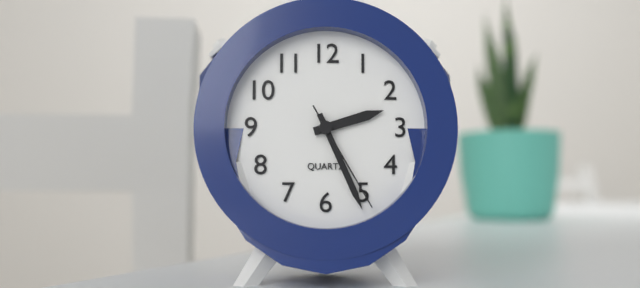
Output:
2.26.25
